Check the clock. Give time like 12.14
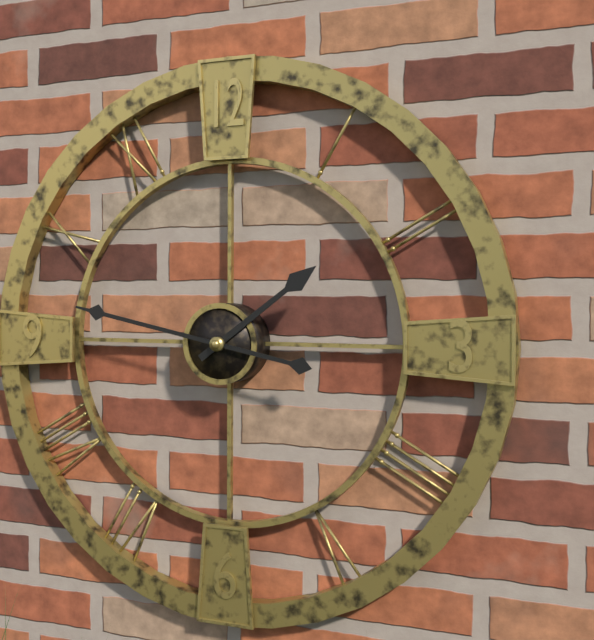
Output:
1.47
